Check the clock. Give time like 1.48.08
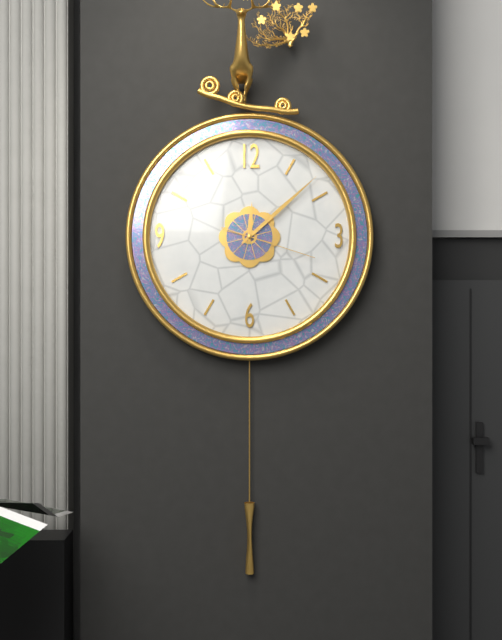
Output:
12.08.18
